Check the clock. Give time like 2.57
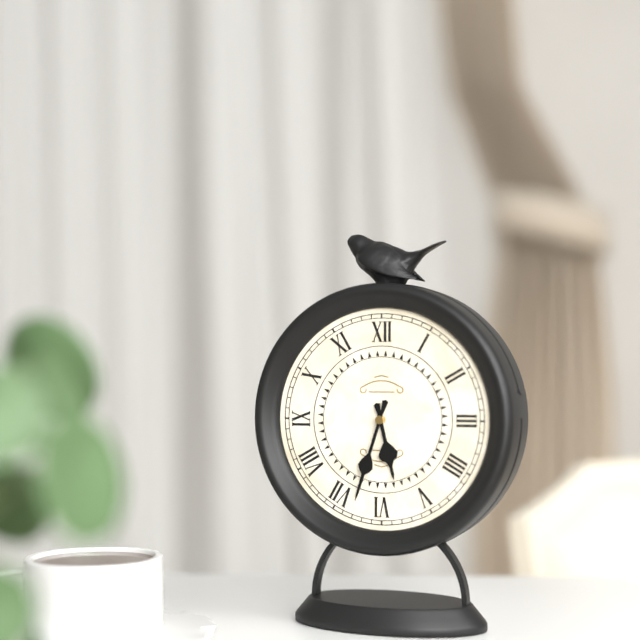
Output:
5.33
